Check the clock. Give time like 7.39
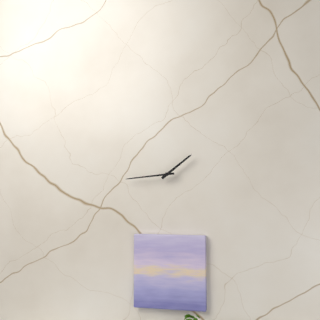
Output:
1.44
